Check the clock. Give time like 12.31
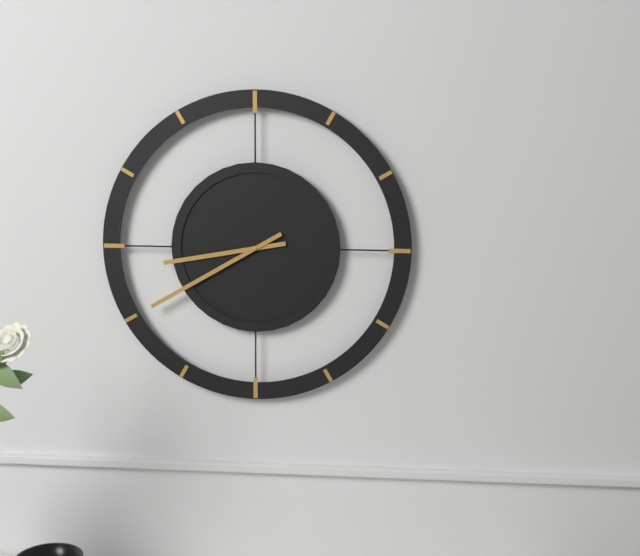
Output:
8.40
